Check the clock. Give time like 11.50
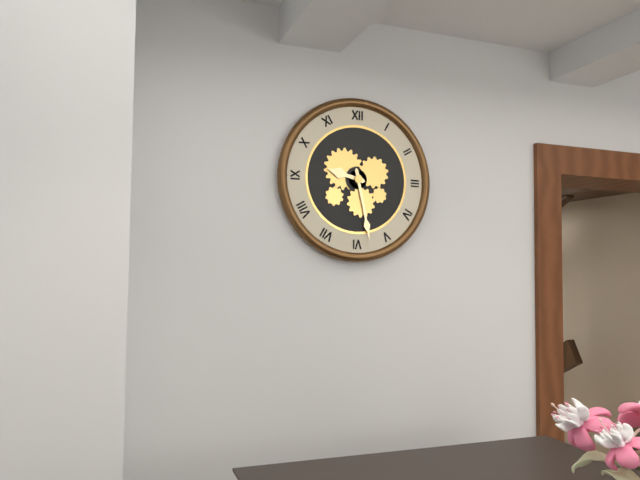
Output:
9.28
